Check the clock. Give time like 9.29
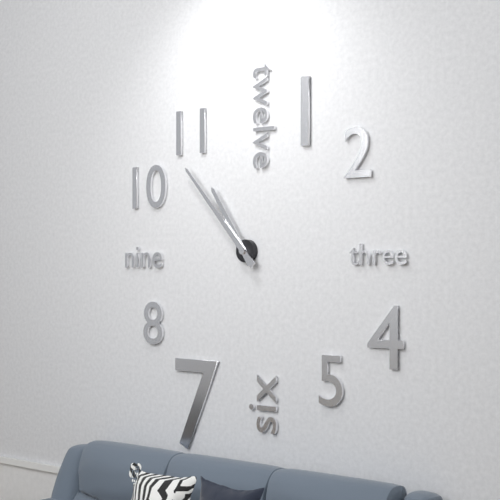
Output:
10.53
